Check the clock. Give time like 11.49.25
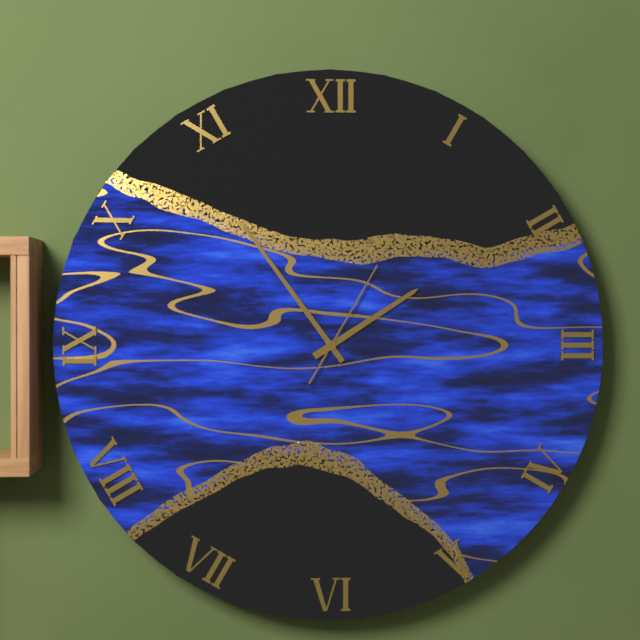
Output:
1.54.05
